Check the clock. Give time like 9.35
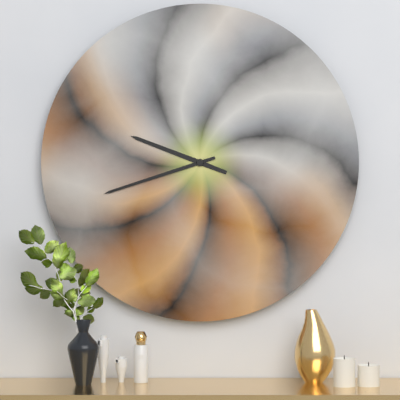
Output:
9.42
